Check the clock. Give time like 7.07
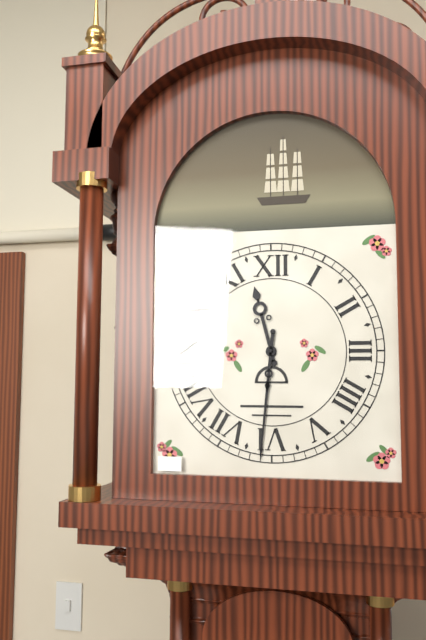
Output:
11.31
